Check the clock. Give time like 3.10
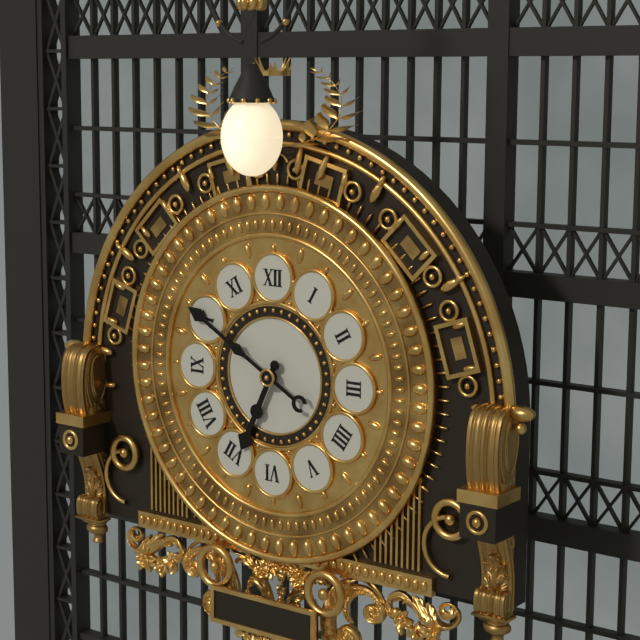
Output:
6.50
